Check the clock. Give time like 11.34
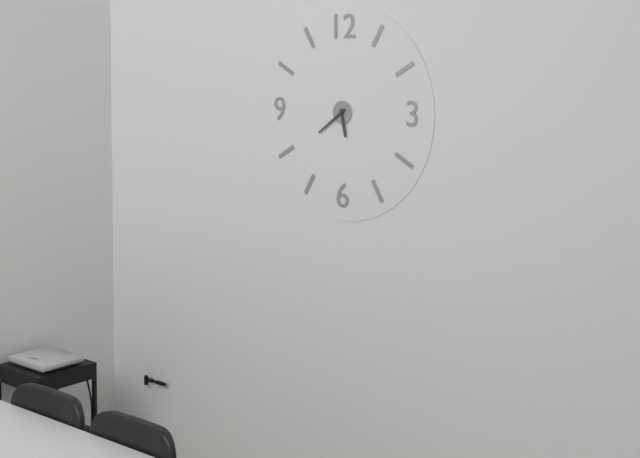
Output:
5.39
